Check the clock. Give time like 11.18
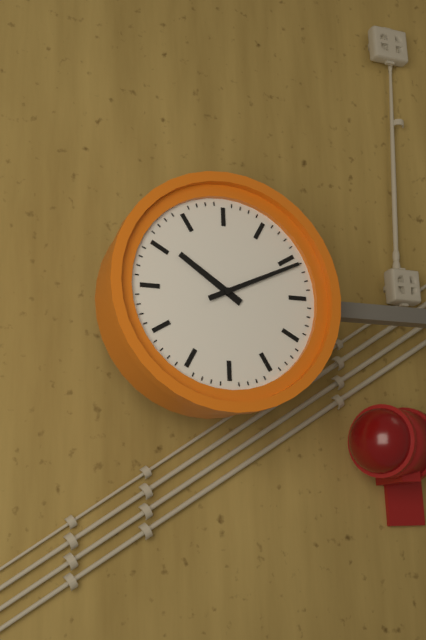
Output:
10.11
